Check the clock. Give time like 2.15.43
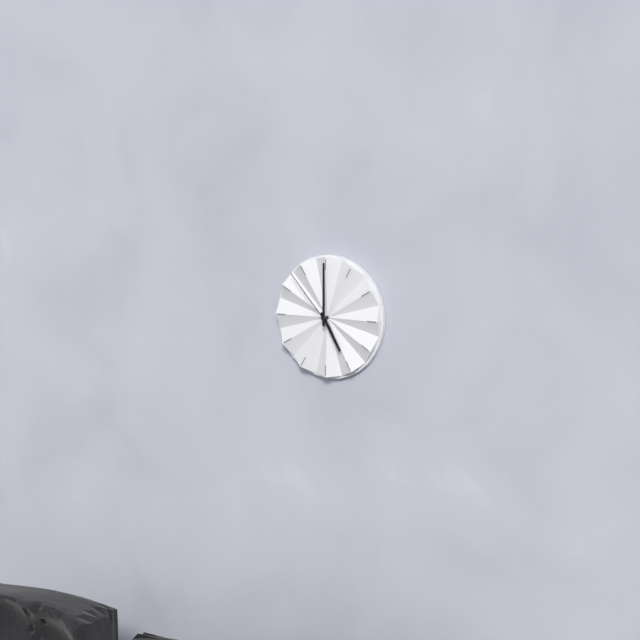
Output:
5.00.53
